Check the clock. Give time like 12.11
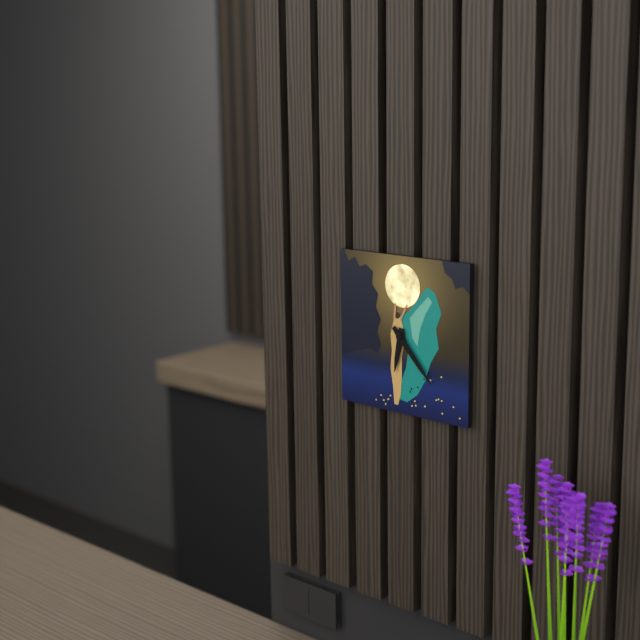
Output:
6.23
